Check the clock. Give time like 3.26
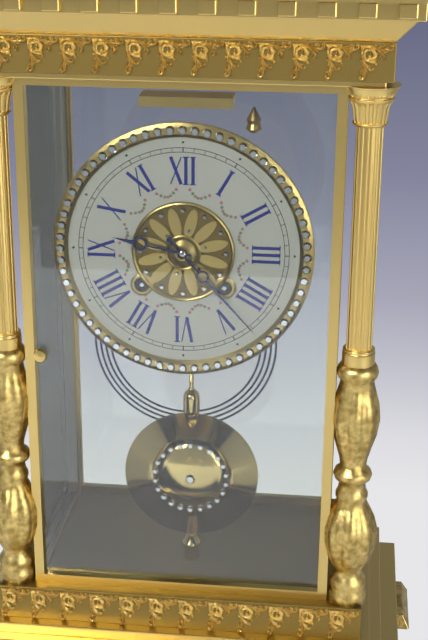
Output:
9.23
